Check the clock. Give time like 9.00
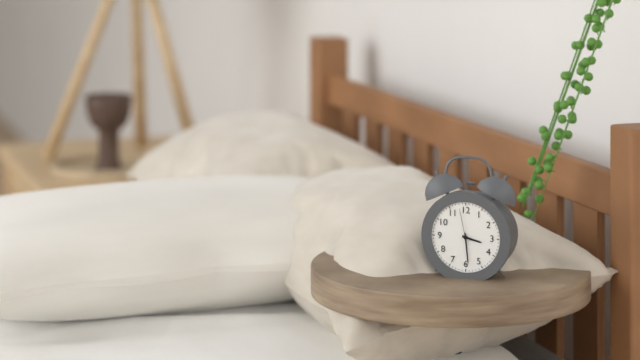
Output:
3.29
